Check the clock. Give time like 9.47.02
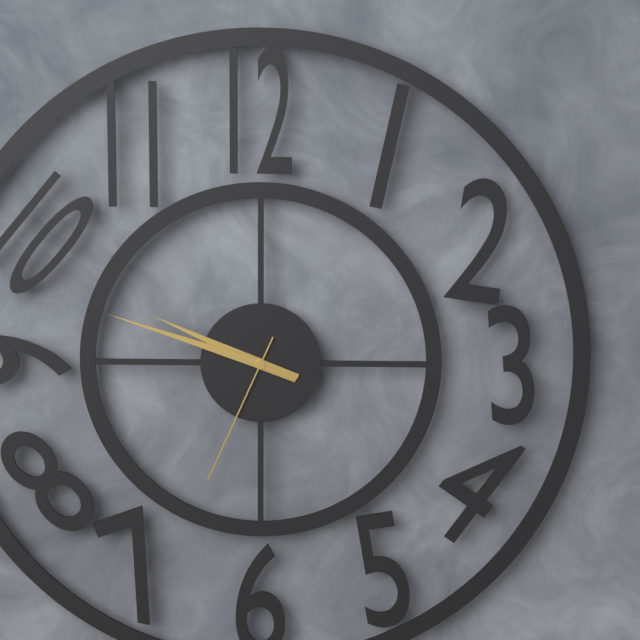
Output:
9.48.34
